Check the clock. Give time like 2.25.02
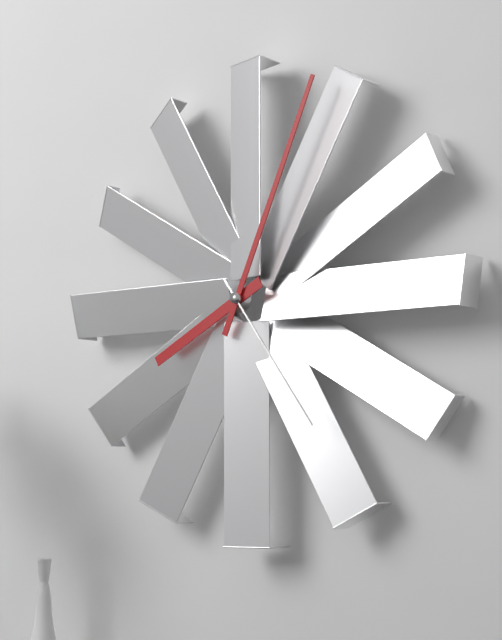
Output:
8.04.24
